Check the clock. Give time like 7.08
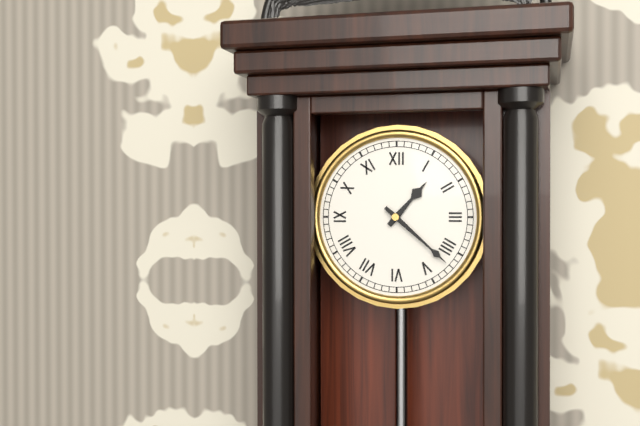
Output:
1.22
